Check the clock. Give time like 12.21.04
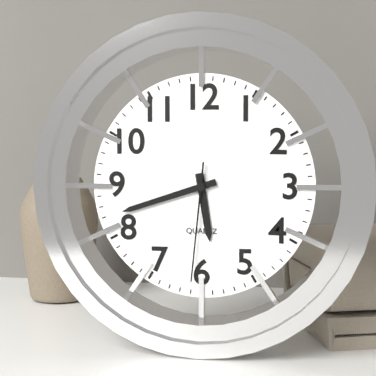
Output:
5.42.31
